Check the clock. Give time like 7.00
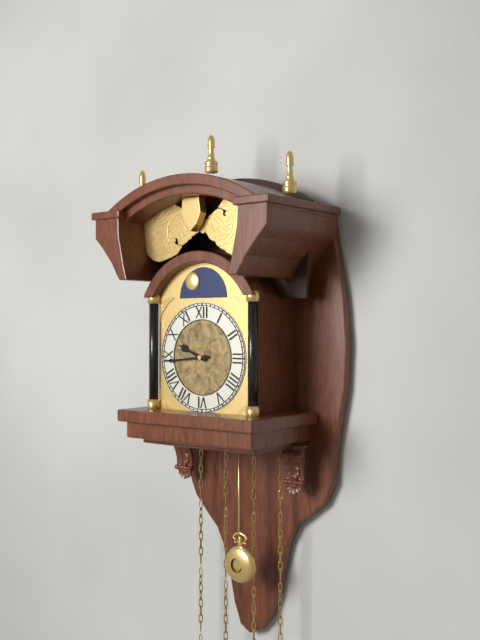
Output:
9.44
